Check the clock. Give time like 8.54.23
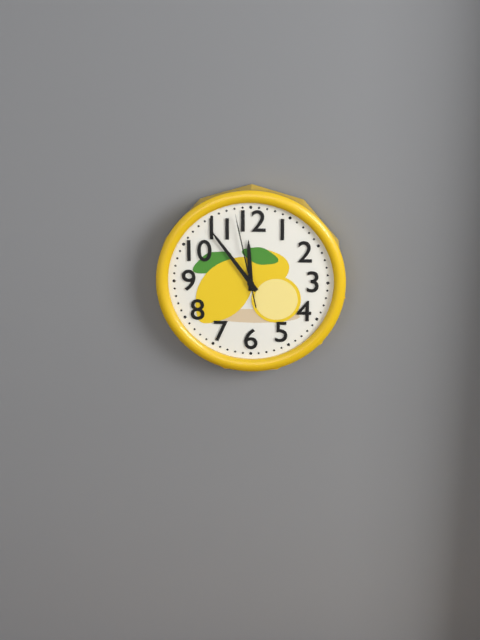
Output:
11.54.58
